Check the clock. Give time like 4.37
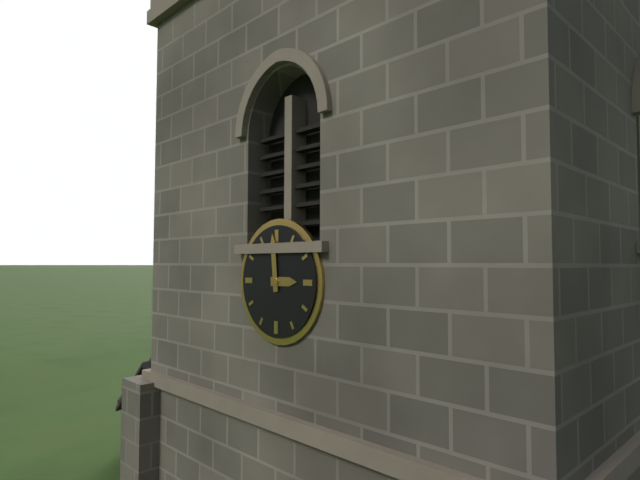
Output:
2.59
